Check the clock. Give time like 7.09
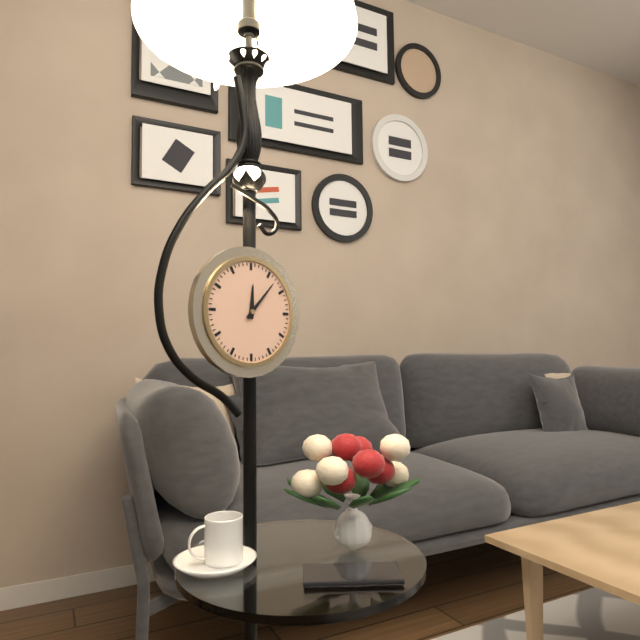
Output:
12.07
